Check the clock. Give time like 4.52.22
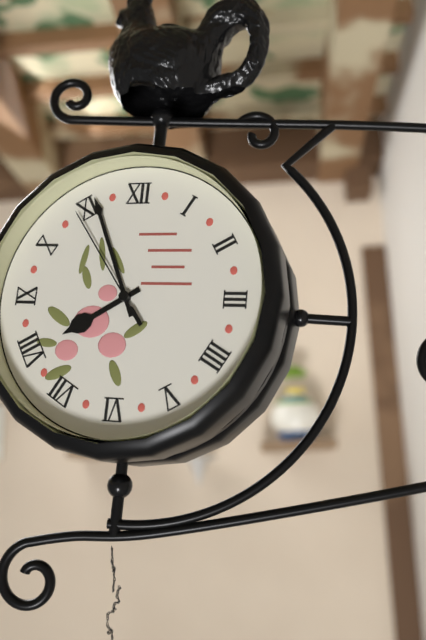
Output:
7.56.54
